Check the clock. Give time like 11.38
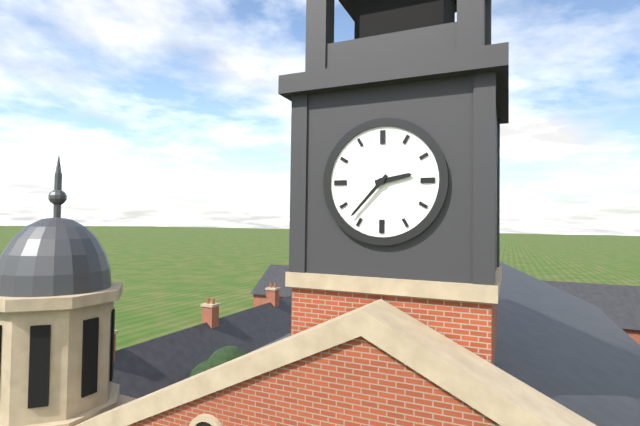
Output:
2.37
